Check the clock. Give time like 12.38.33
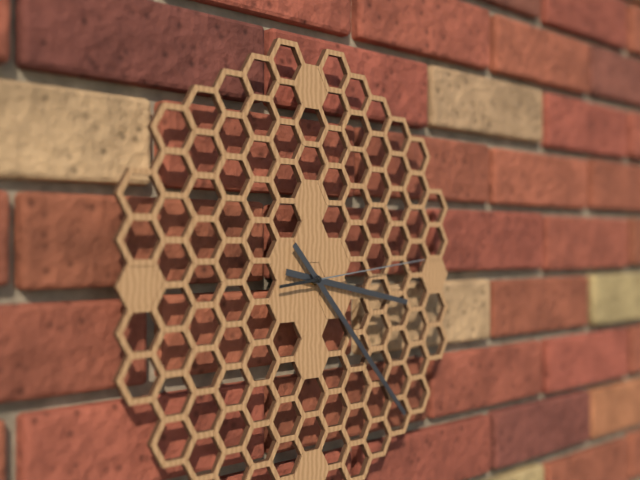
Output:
3.23.14
